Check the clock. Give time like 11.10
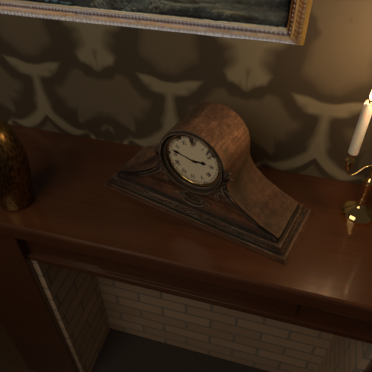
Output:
2.47
